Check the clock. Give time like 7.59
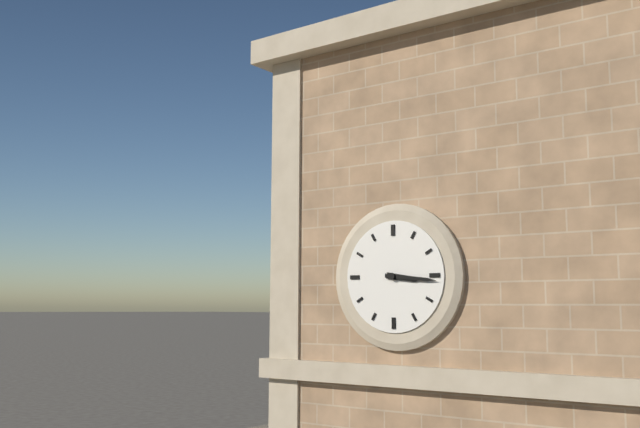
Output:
3.16
